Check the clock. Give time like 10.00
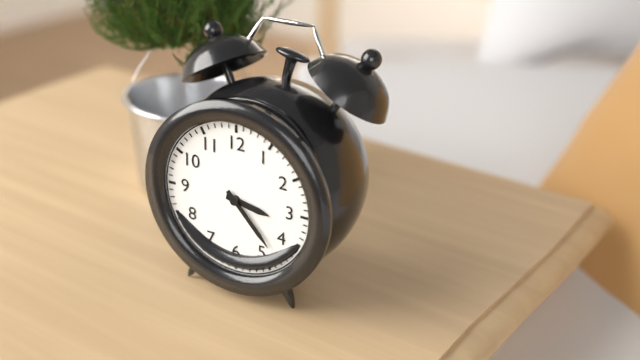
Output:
3.23
